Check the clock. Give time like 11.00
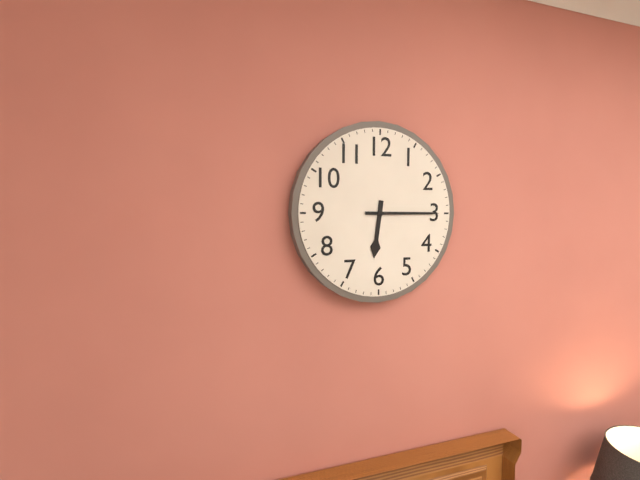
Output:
6.15
